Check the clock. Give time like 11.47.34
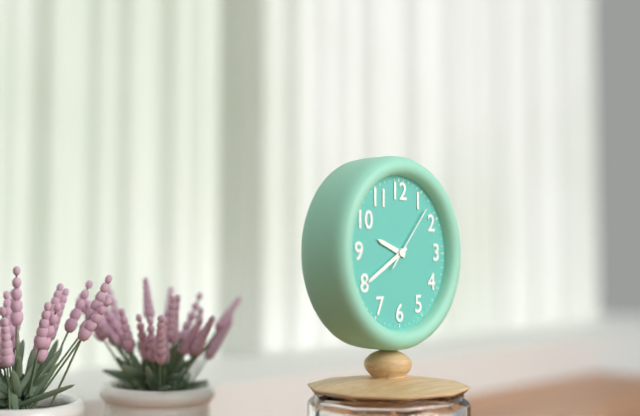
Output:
9.40.07
